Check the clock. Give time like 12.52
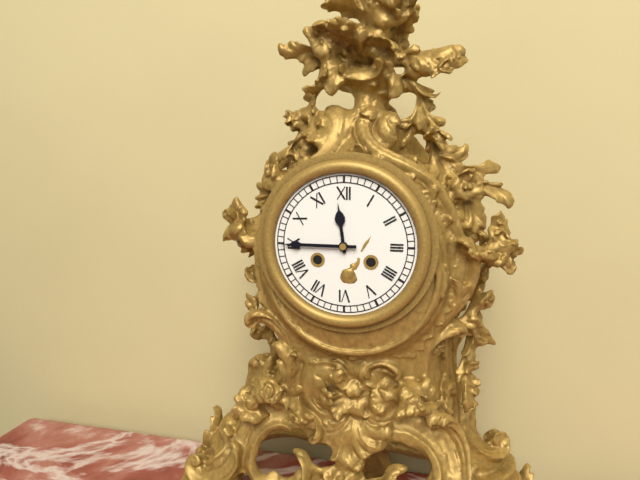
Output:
11.45
